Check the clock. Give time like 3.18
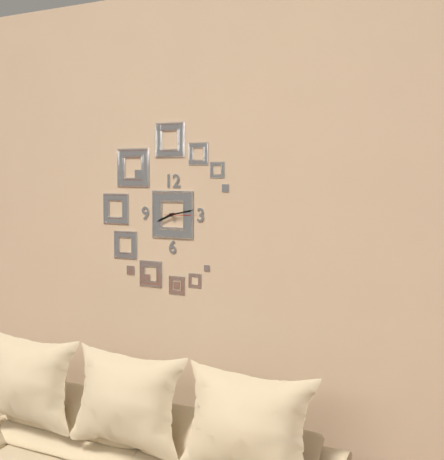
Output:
8.13
